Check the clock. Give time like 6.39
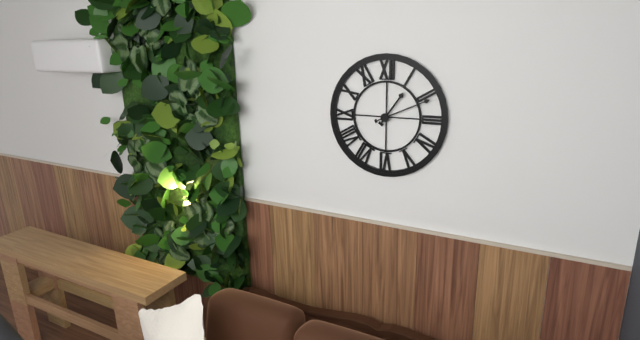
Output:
1.11
